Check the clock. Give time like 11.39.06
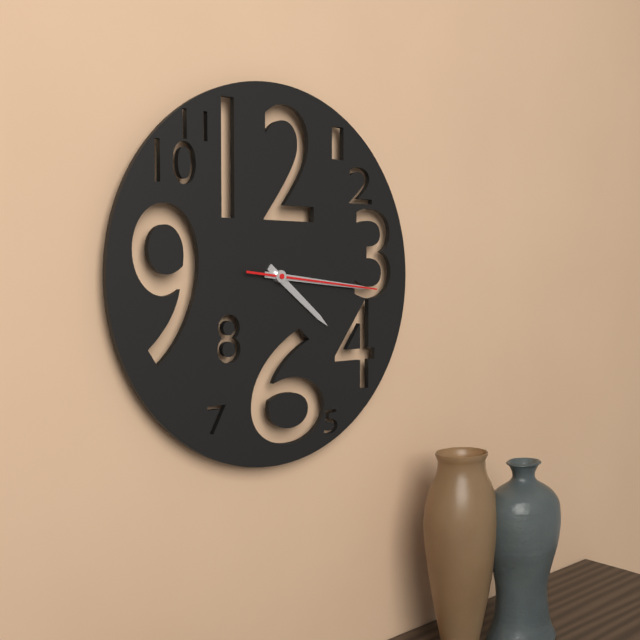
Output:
4.16.16
